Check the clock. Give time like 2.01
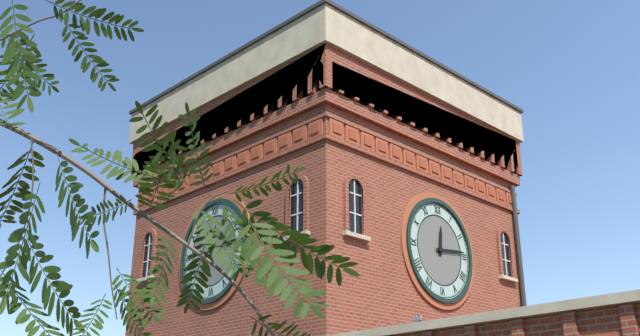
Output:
12.14
